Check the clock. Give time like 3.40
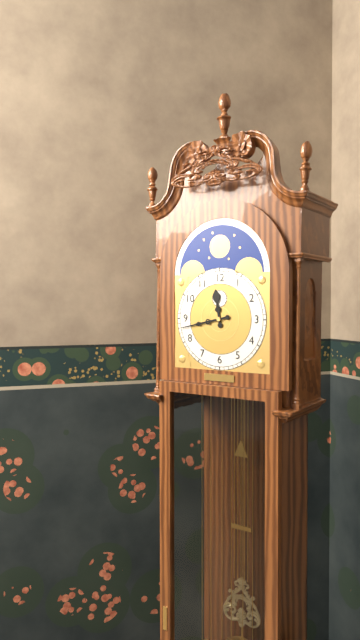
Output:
11.43
